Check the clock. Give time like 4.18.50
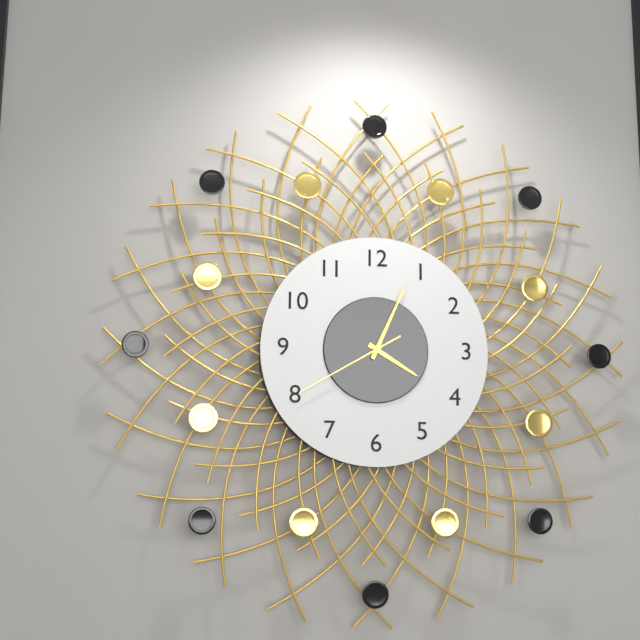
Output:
4.04.40
